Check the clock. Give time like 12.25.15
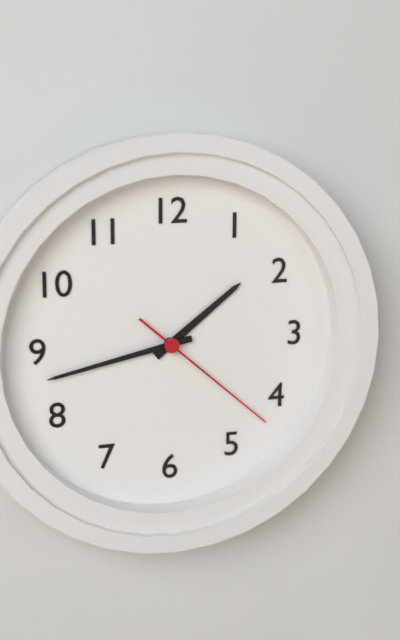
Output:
1.43.22
